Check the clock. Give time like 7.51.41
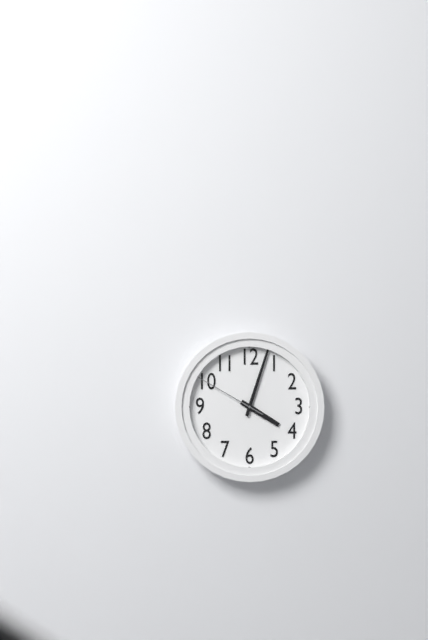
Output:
4.03.50
